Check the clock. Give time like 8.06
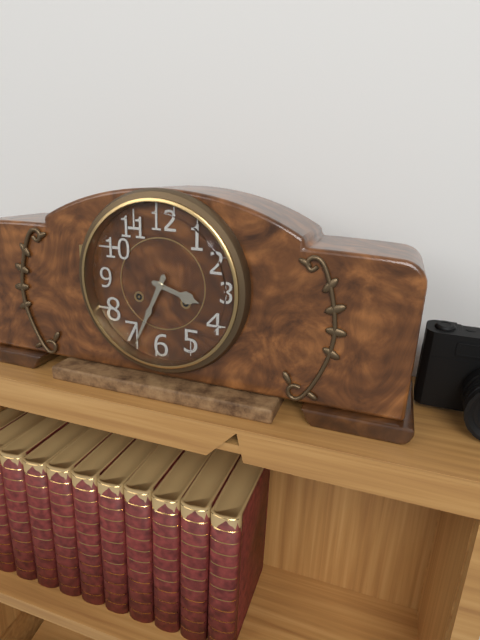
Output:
3.34
